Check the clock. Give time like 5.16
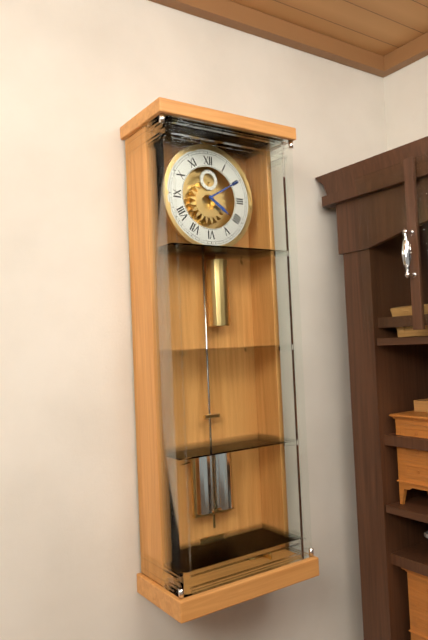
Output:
4.10
